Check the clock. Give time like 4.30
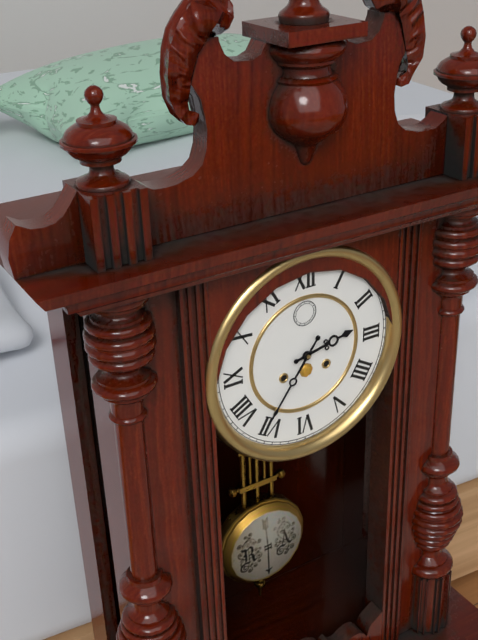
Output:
2.36
